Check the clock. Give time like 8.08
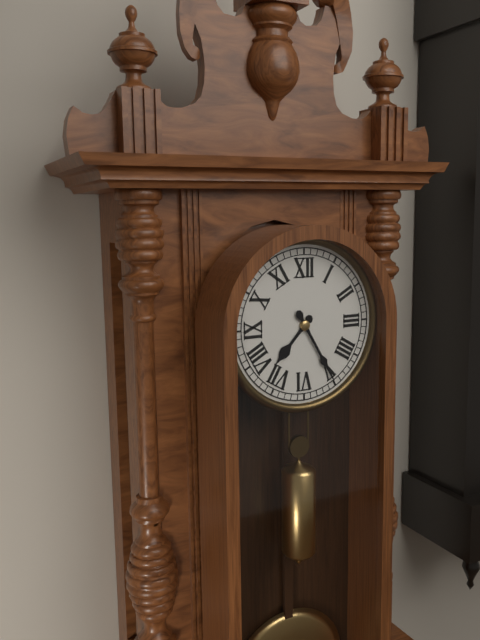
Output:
7.25
